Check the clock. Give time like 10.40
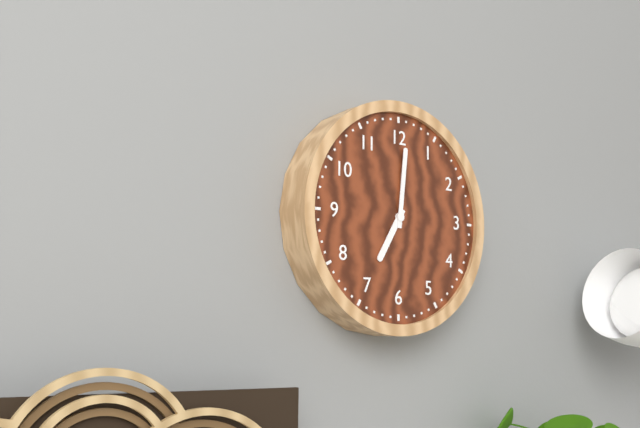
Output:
7.01
